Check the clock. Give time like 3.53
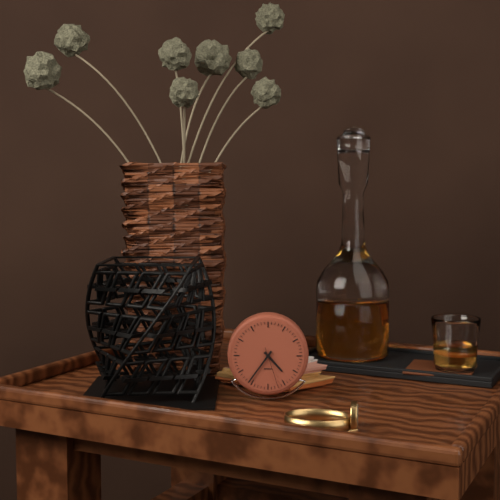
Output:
4.36
